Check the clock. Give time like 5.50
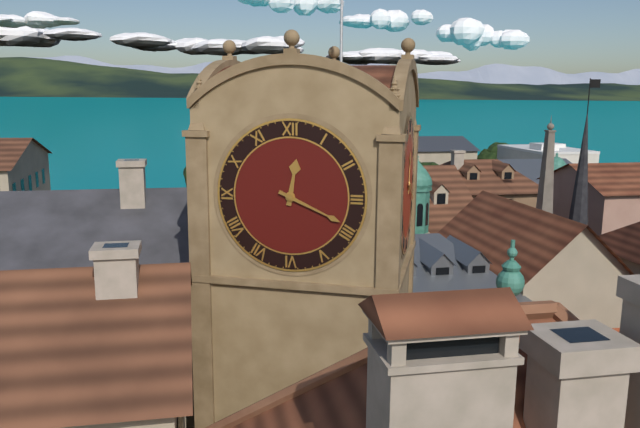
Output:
12.19
